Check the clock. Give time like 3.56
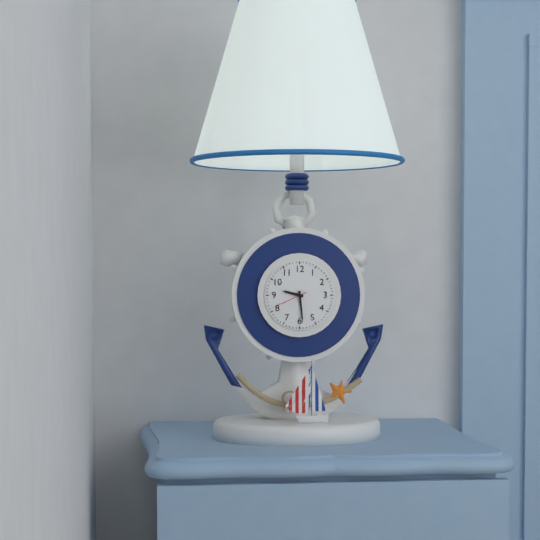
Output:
9.29
